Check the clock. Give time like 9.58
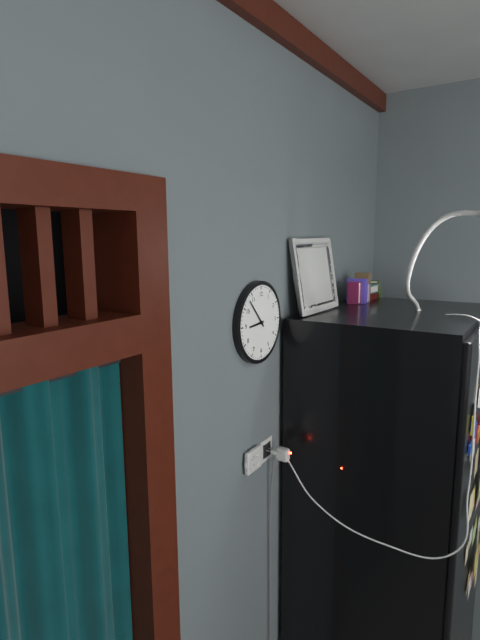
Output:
8.53
